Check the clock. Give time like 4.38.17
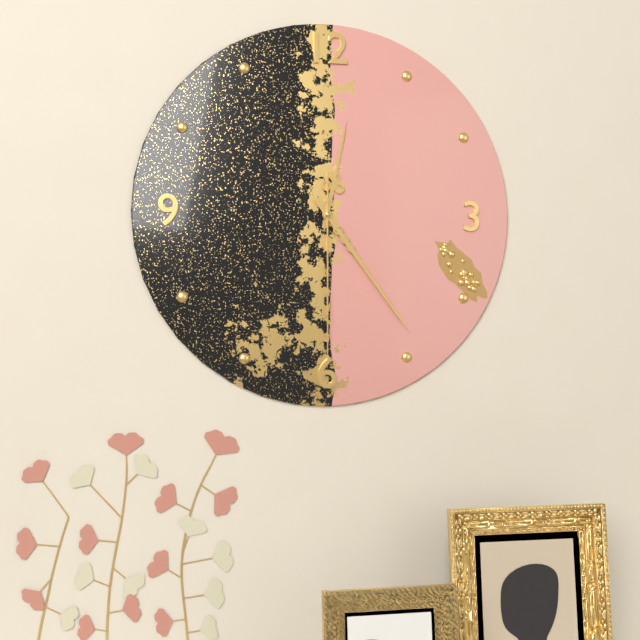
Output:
12.24.30
